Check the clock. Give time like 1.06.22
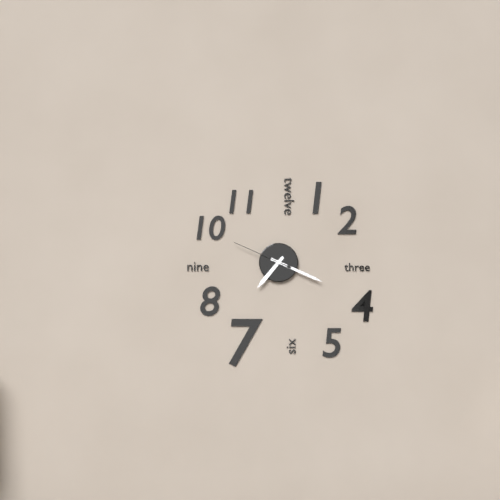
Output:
7.19.49
